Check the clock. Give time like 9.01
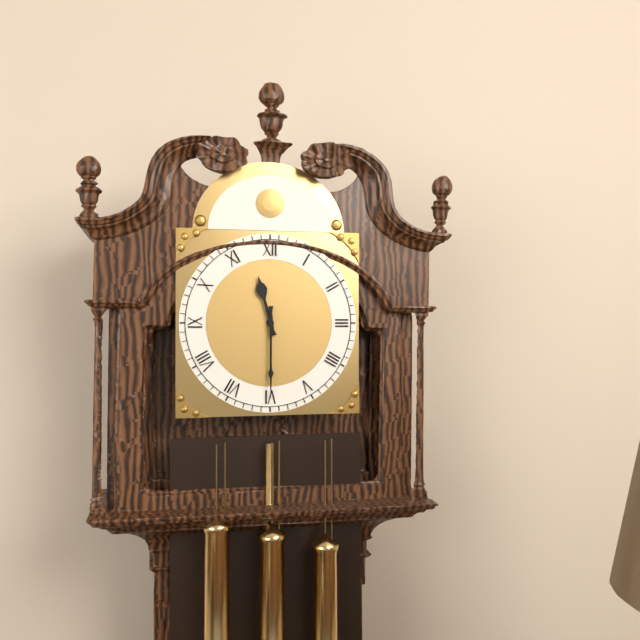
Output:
11.30
